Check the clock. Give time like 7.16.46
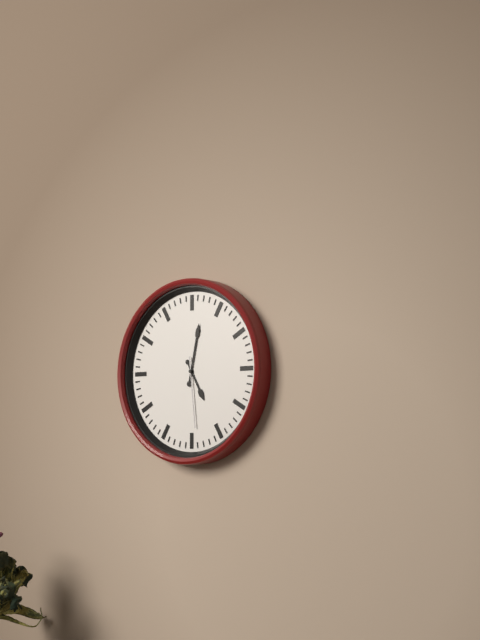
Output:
5.02.29
